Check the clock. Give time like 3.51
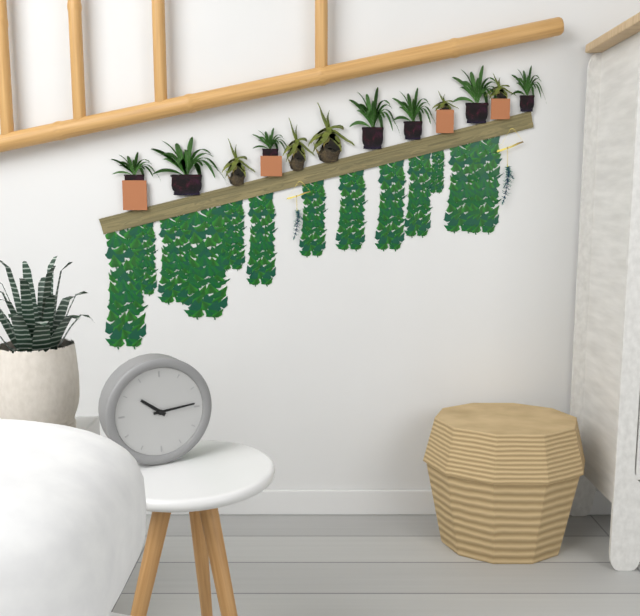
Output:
10.14
